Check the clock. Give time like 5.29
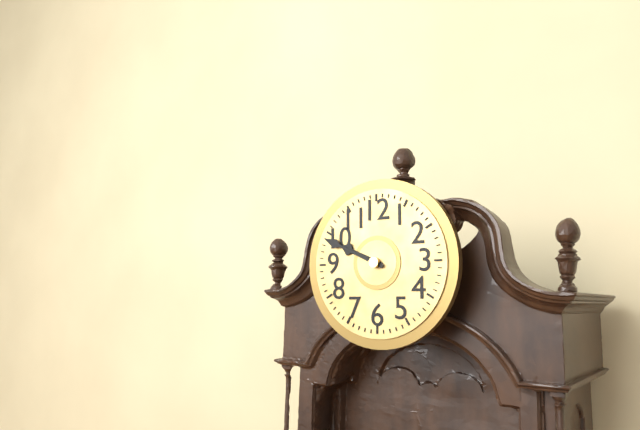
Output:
9.49
